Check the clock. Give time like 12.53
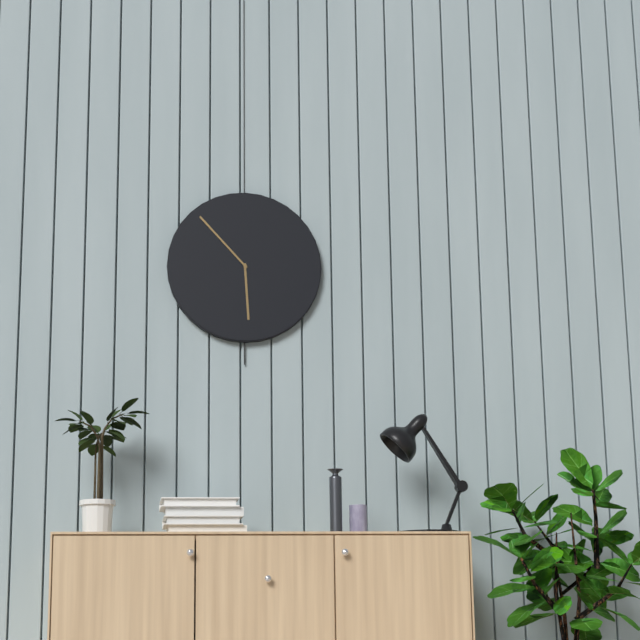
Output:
5.53
